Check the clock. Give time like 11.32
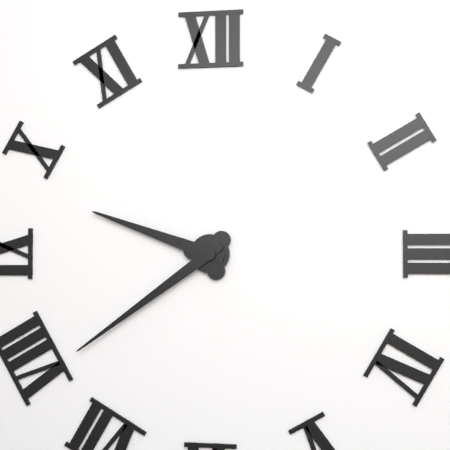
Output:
9.39
